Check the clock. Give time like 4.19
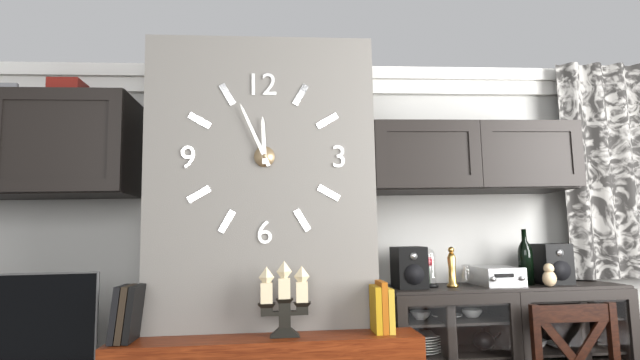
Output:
11.56
